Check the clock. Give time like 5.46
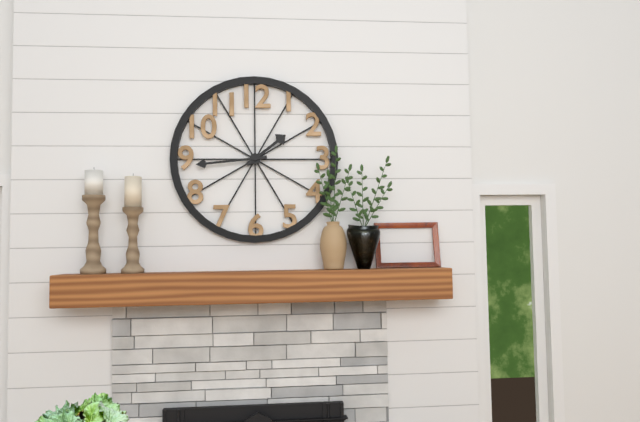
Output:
1.44
